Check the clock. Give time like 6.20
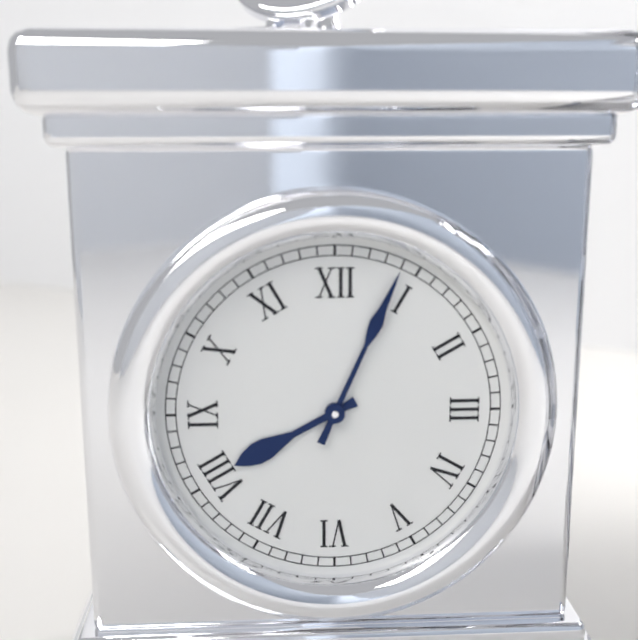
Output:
8.04
